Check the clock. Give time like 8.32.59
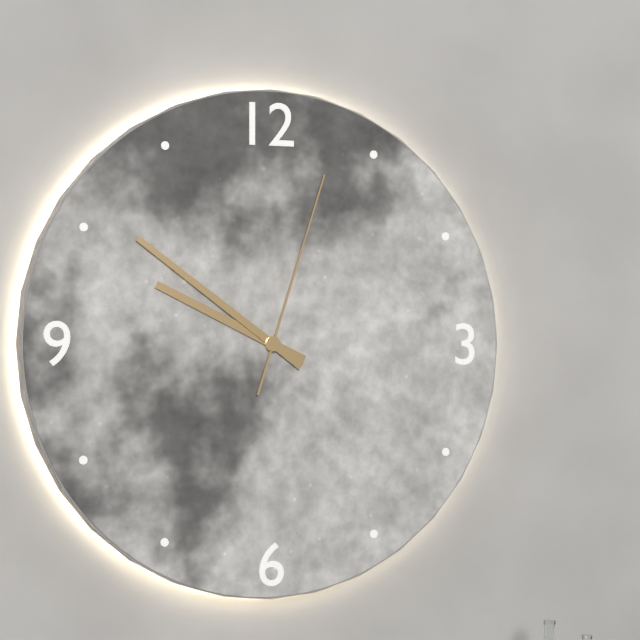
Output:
9.51.03
